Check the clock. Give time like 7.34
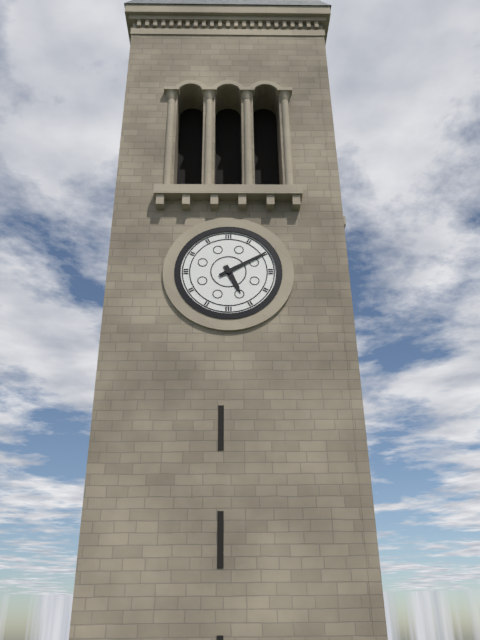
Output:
5.10
